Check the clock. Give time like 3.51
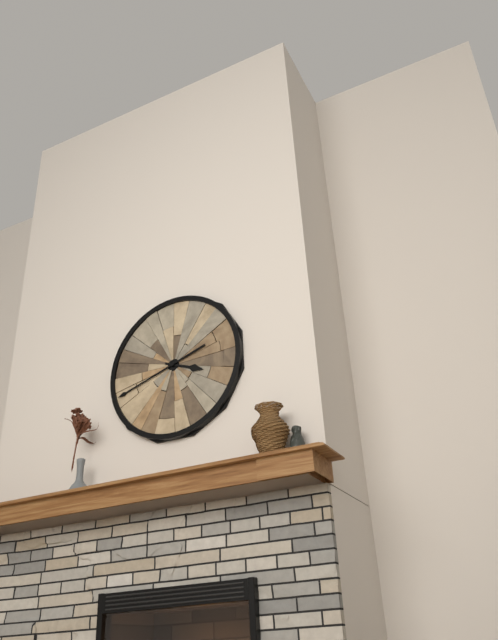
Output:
3.42
